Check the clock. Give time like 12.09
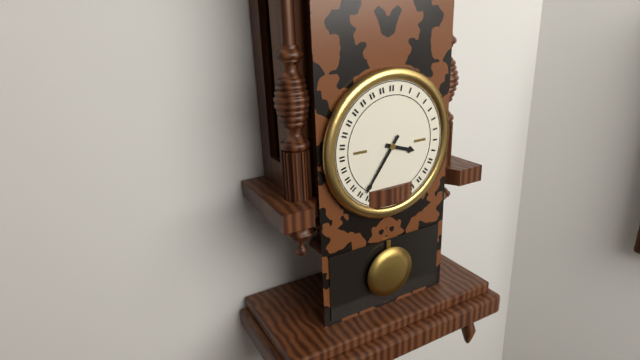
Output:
3.36
